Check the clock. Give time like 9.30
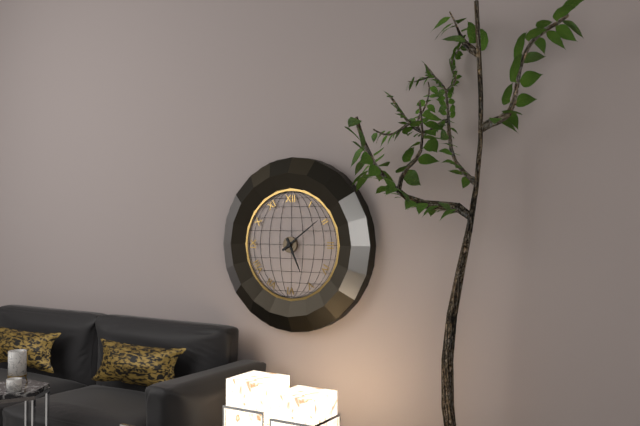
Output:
5.09
